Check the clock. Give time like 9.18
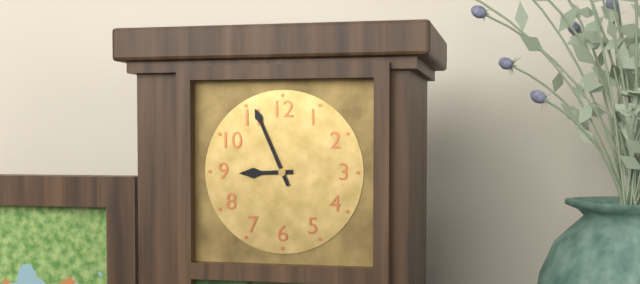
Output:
8.56
